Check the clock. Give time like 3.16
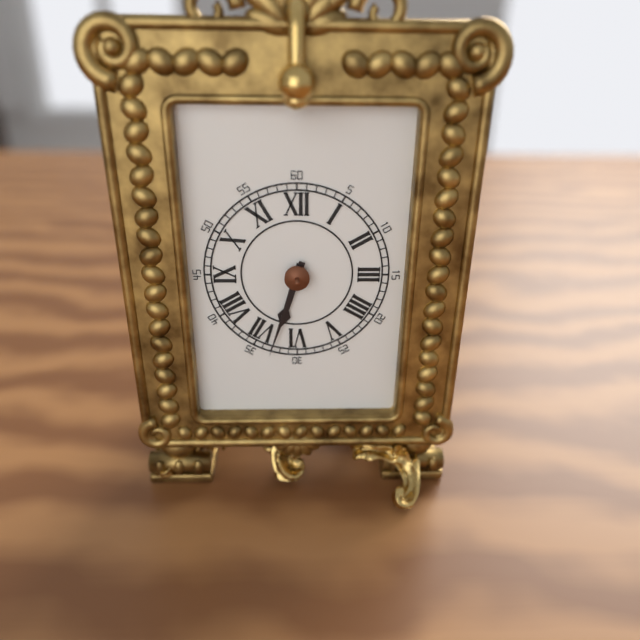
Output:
6.33
